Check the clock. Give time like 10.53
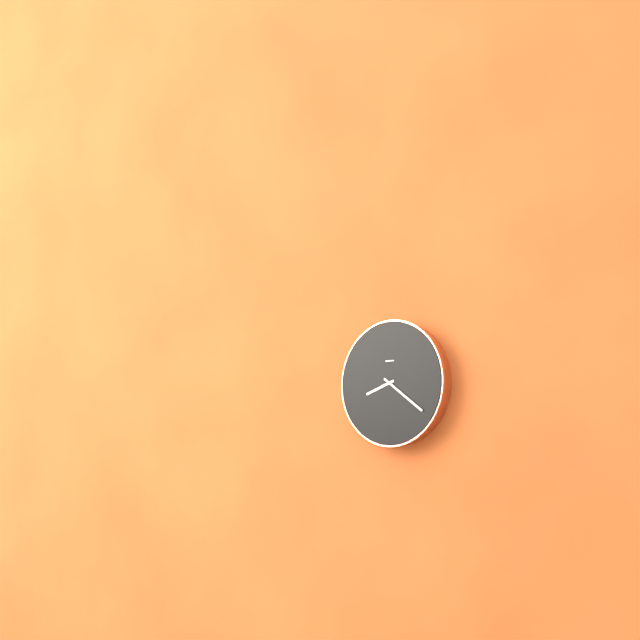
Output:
8.21
